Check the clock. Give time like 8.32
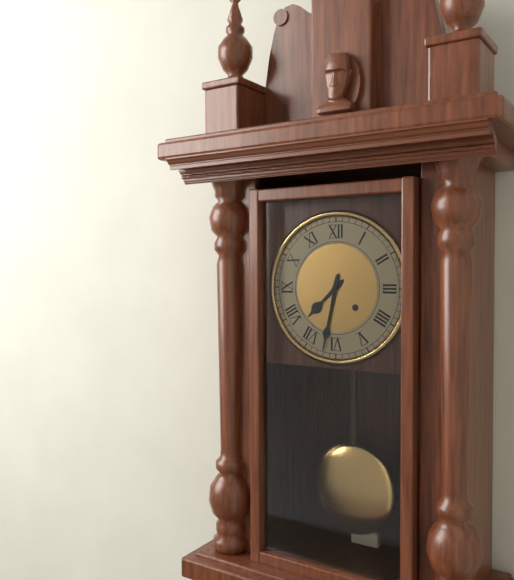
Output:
7.32
